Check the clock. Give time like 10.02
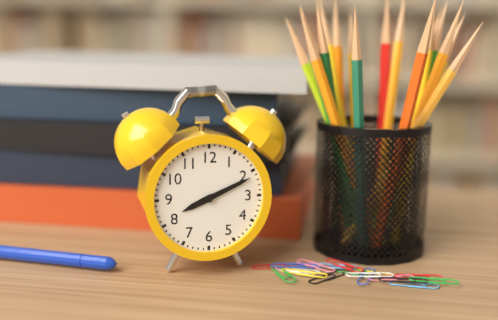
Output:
8.11
